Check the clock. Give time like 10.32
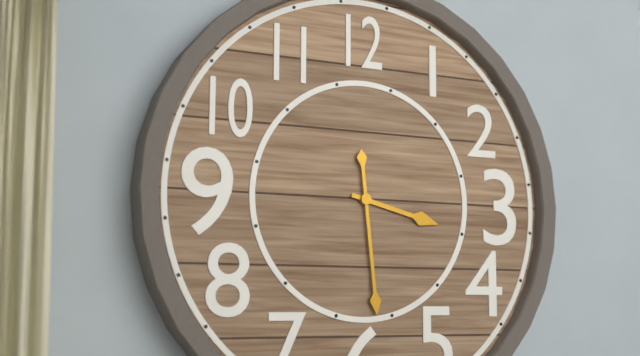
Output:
3.29
